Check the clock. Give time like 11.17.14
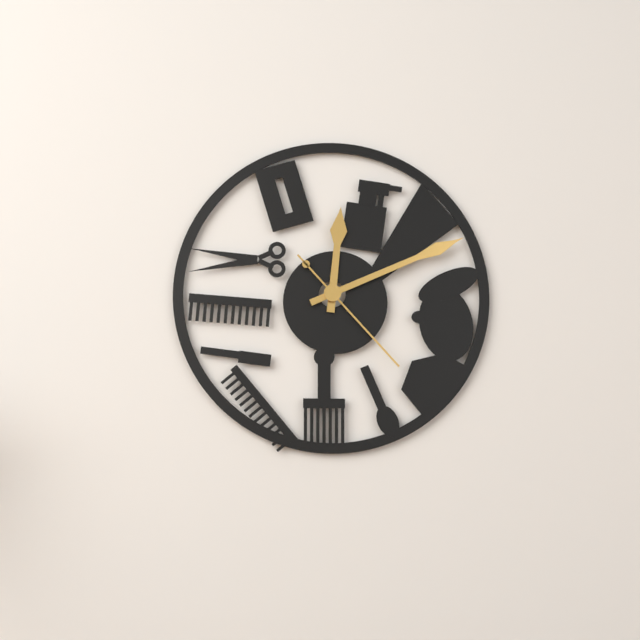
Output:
12.11.23
